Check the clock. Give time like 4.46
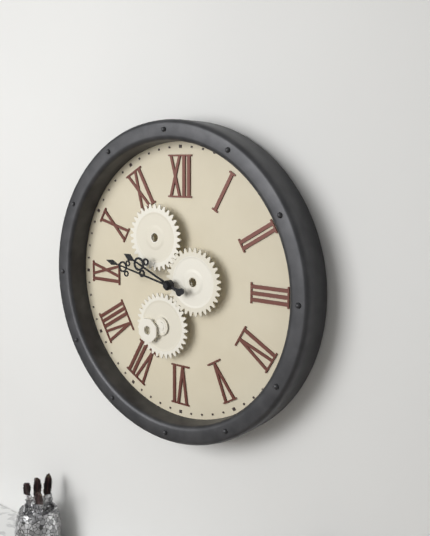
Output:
9.47
